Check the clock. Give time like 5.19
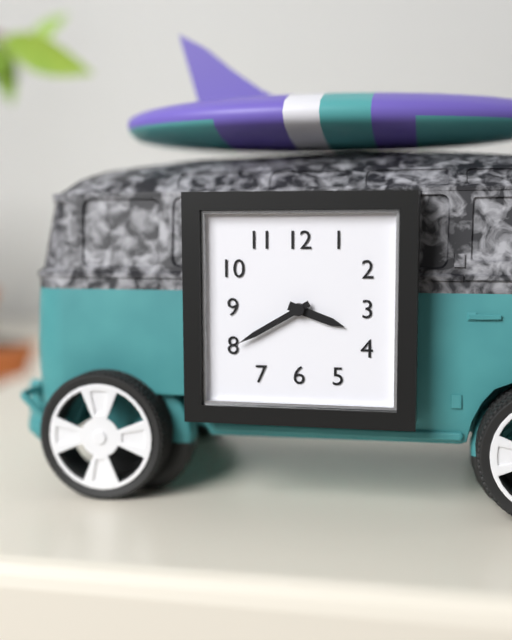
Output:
3.40
